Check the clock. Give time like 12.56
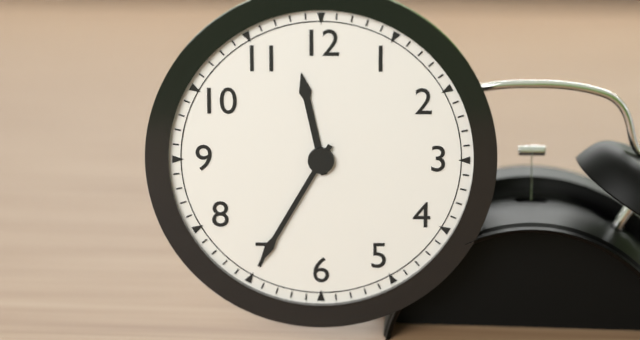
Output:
11.35
